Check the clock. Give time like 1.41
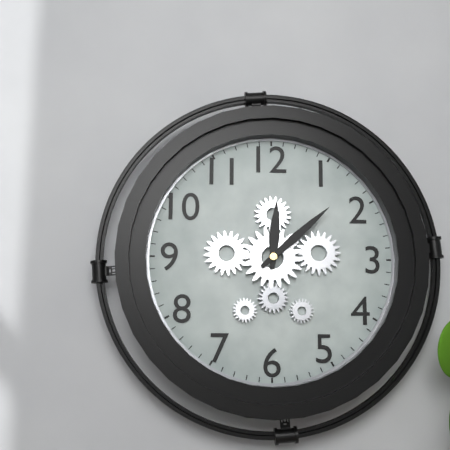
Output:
12.08
